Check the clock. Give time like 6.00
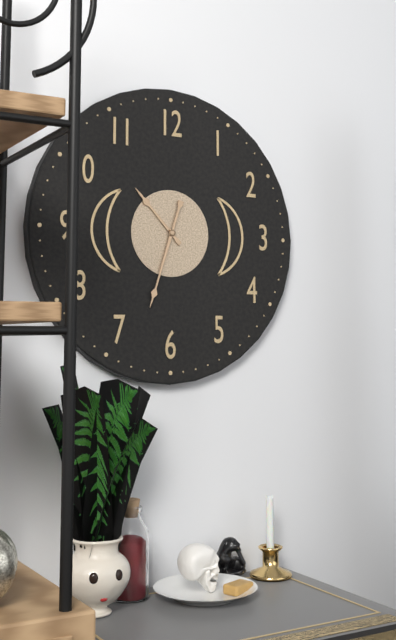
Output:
10.33
